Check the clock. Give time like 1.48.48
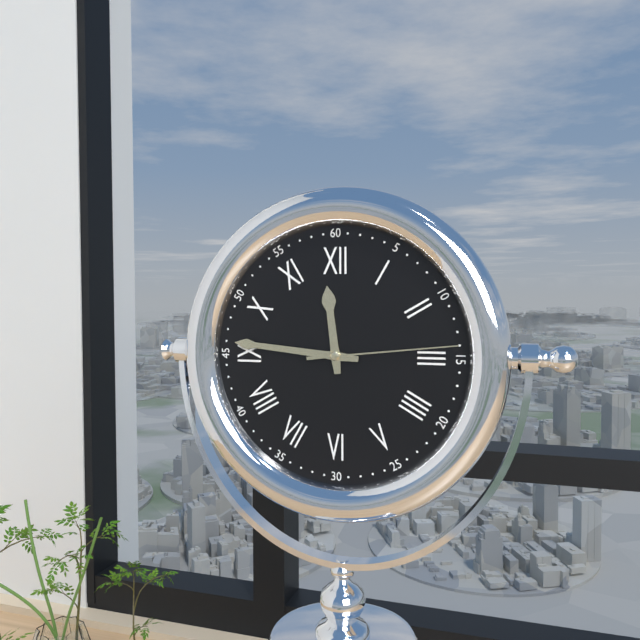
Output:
11.46.14
